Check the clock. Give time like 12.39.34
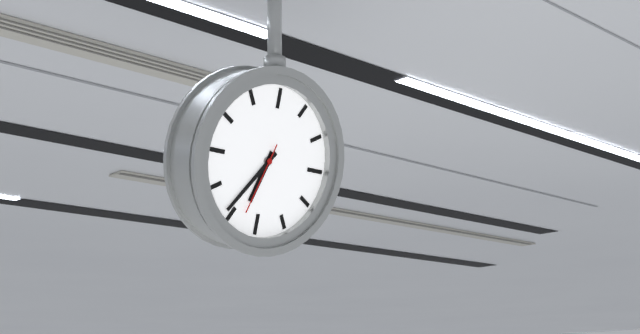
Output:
6.36.33
